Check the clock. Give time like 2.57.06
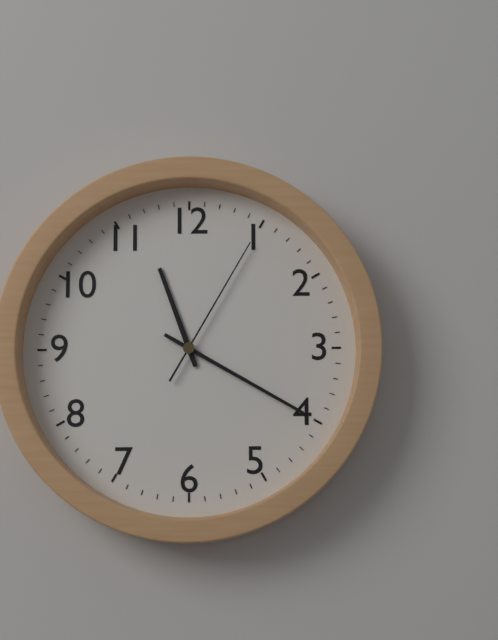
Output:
11.20.05
